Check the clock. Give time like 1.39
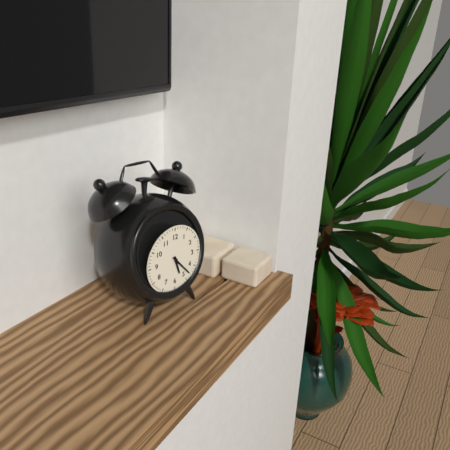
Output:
5.23
